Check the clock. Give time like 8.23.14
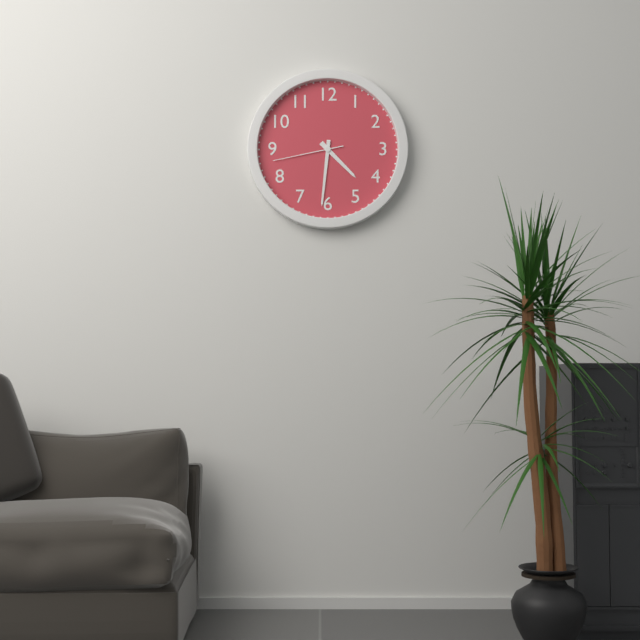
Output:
4.31.43
